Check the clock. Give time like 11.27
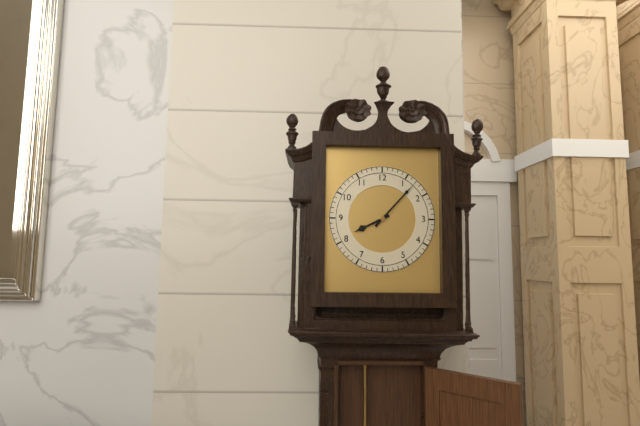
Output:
8.07
